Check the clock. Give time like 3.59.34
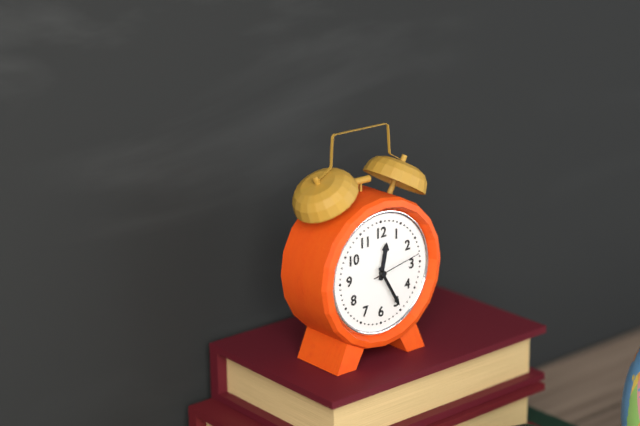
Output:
12.25.13
